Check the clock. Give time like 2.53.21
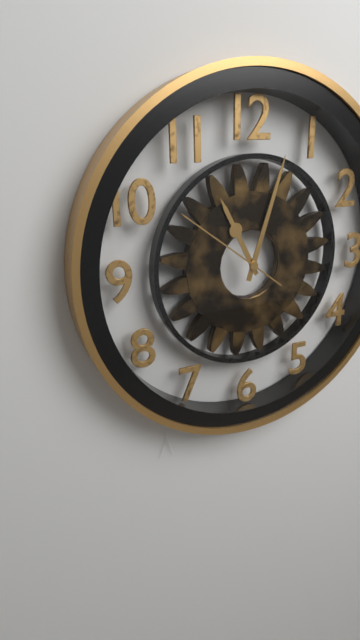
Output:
11.03.51
